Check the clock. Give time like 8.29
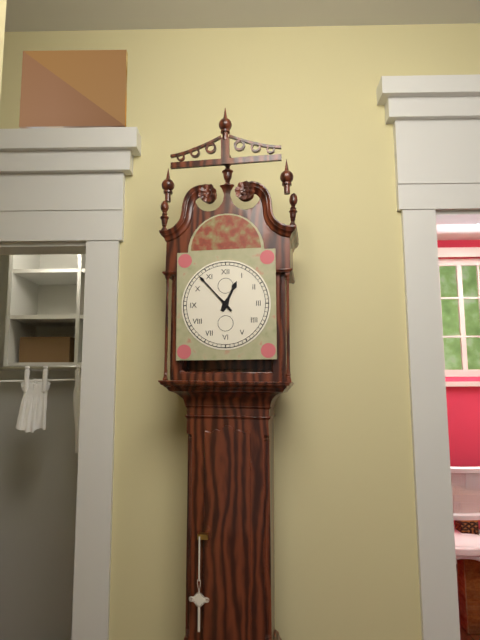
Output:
12.53
